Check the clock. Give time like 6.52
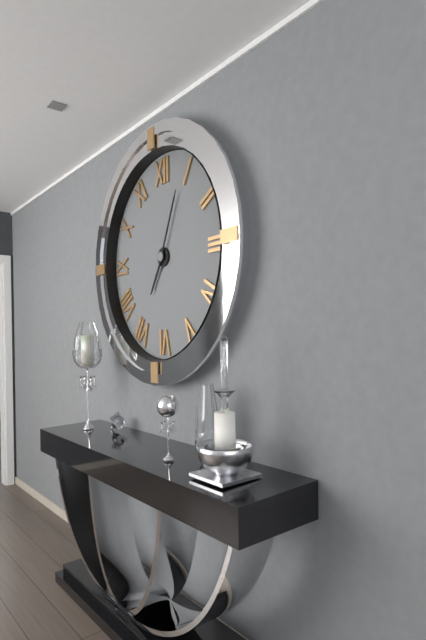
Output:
7.04
